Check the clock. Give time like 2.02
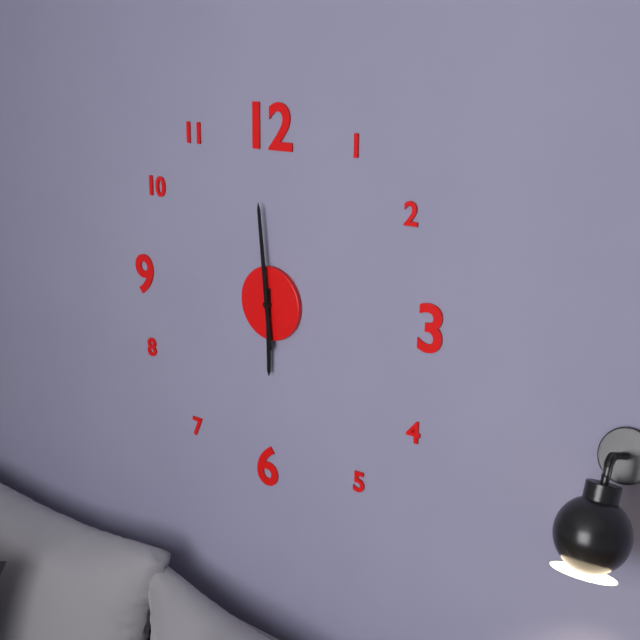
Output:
5.59
